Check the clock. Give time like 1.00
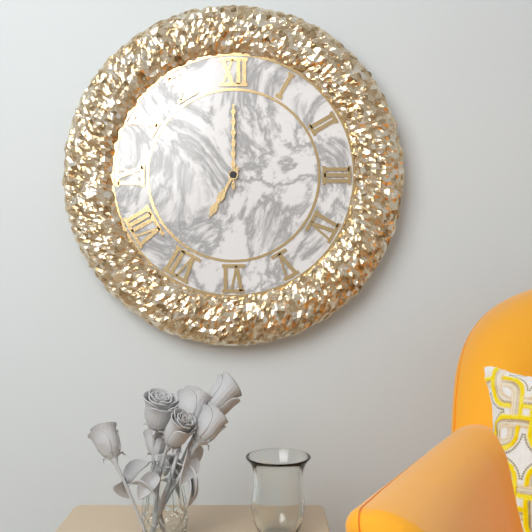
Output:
7.00
